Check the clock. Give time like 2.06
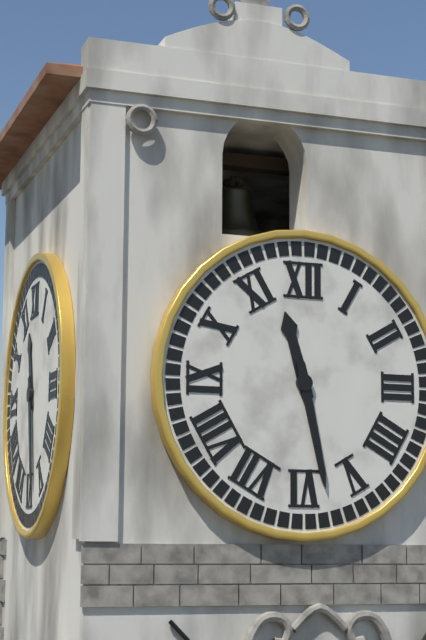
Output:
11.28
